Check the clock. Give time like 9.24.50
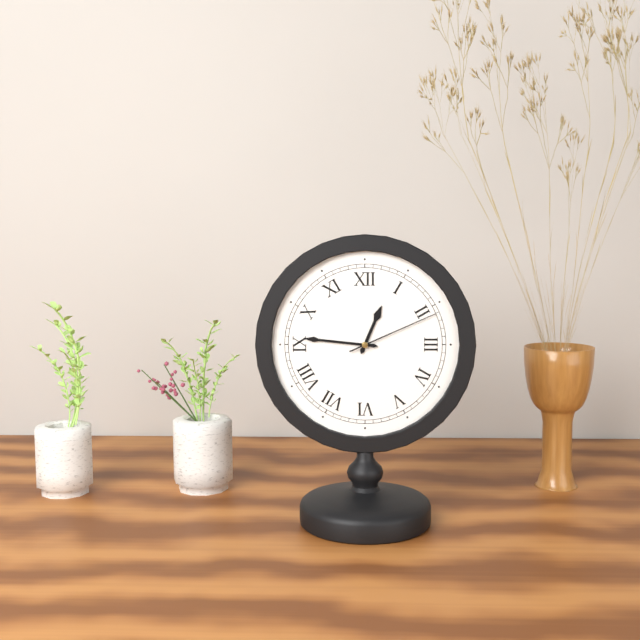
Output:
12.46.11
